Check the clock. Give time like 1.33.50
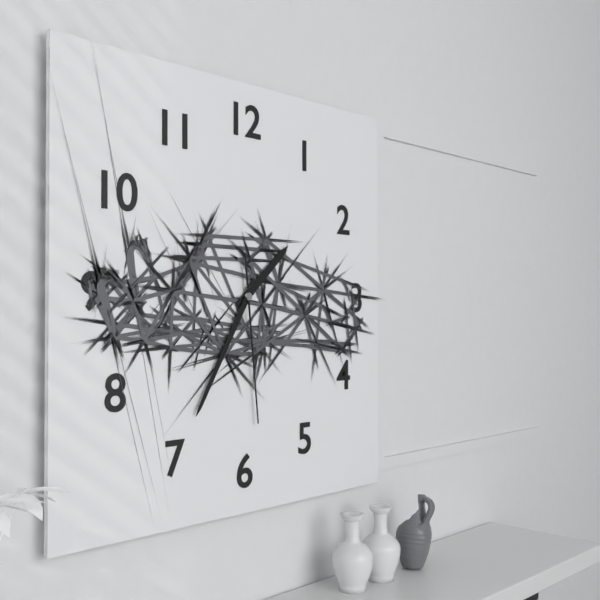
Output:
1.35.29
